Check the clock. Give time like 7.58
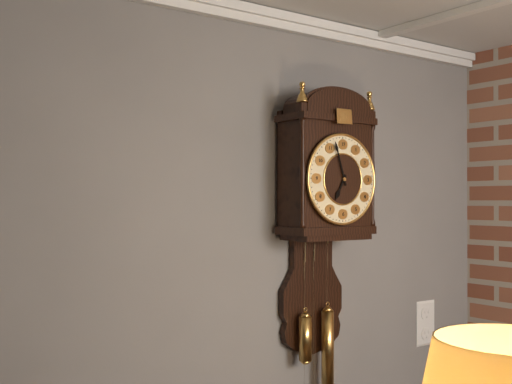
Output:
6.57
